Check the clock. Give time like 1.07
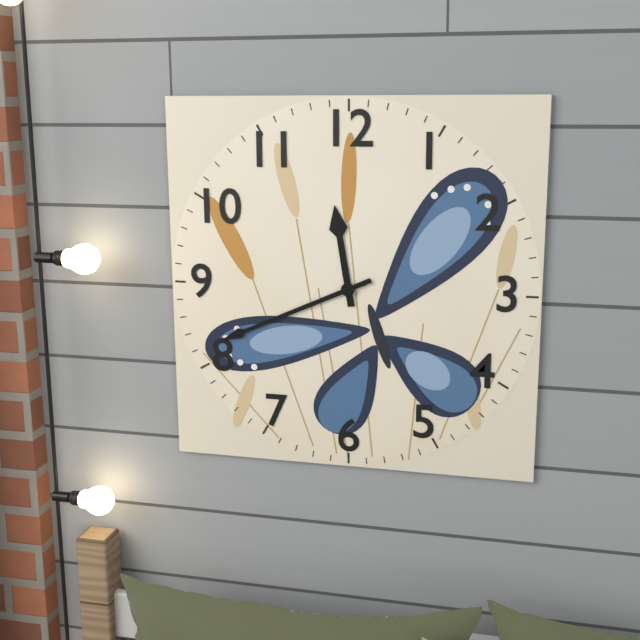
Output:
11.41
